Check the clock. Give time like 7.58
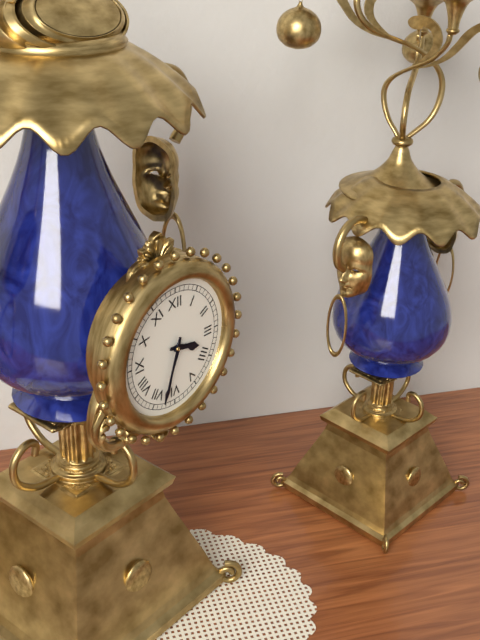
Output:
3.33
